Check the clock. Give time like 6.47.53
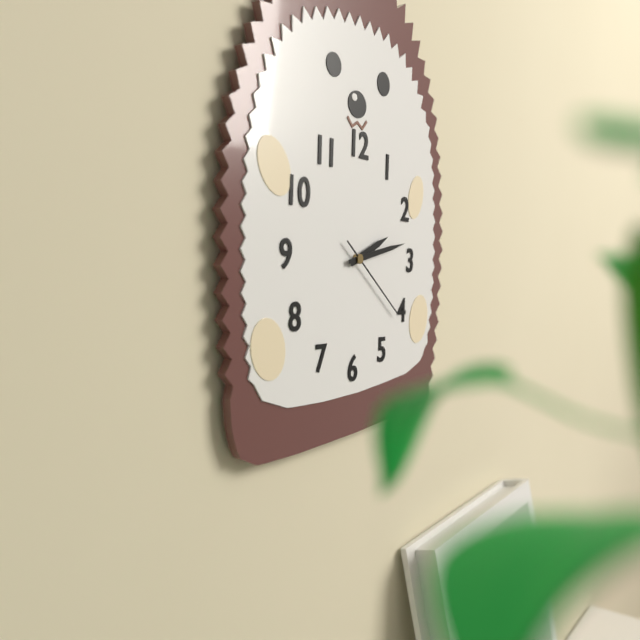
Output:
2.13.21
